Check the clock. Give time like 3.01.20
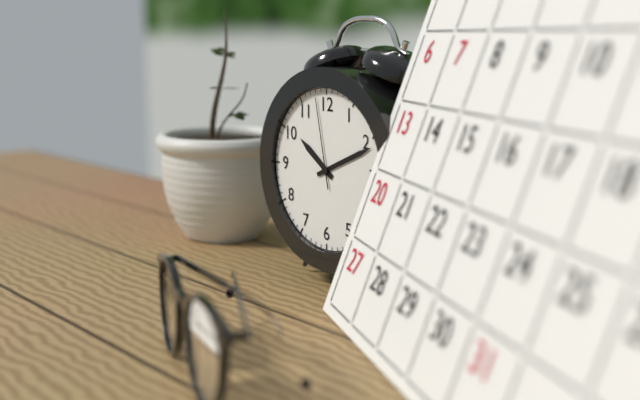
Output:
10.11.58
